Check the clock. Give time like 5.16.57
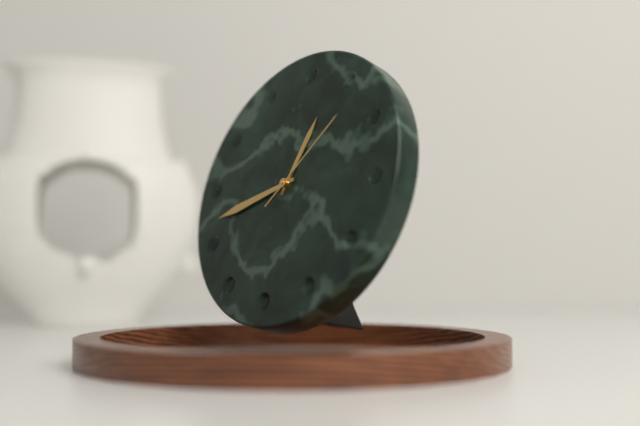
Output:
12.42.07
